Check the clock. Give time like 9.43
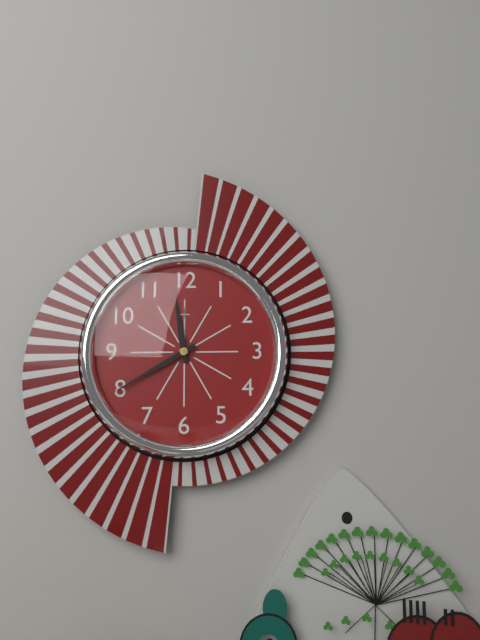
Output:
11.40
